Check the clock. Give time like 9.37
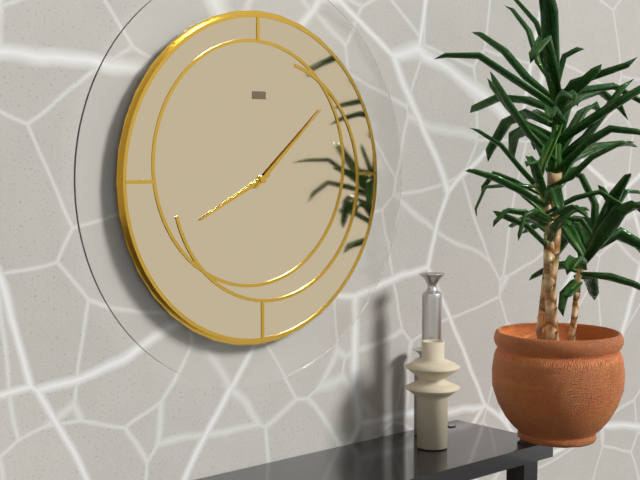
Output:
8.08
